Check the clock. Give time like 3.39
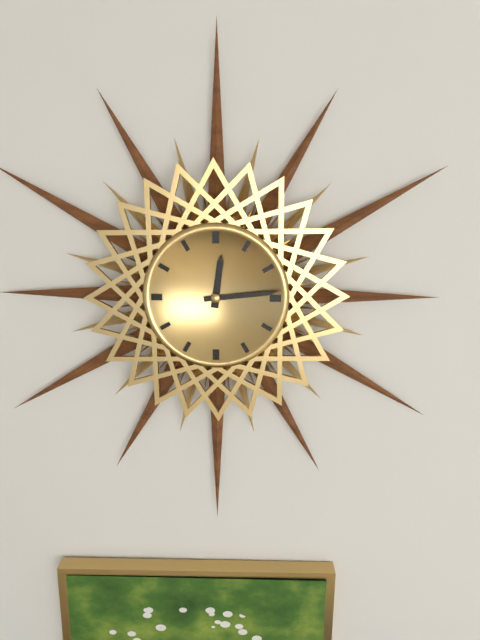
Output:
12.14
